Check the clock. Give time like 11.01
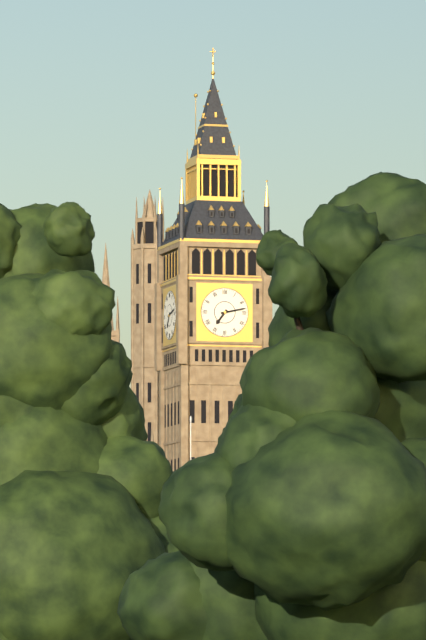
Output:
7.13
